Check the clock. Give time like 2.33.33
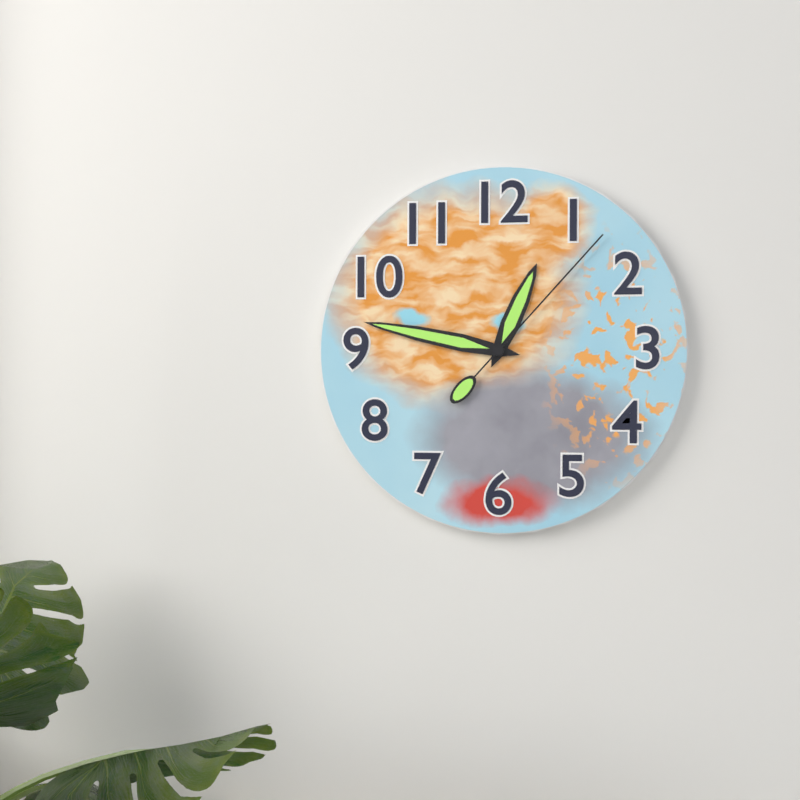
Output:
12.47.07
